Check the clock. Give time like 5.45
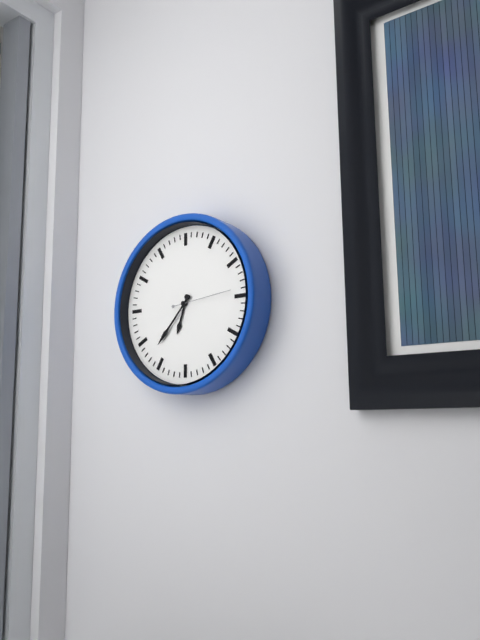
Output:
6.37
